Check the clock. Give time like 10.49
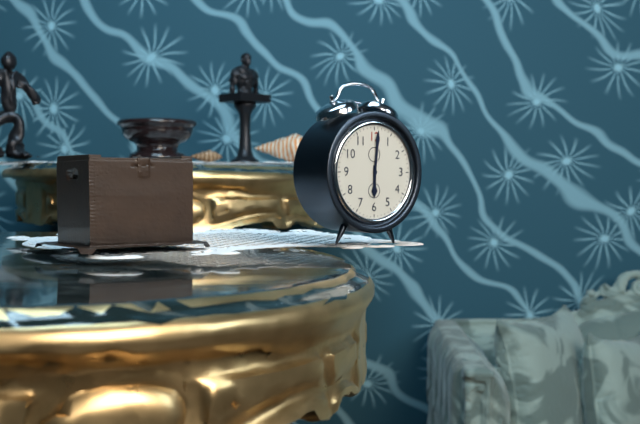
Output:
6.01
